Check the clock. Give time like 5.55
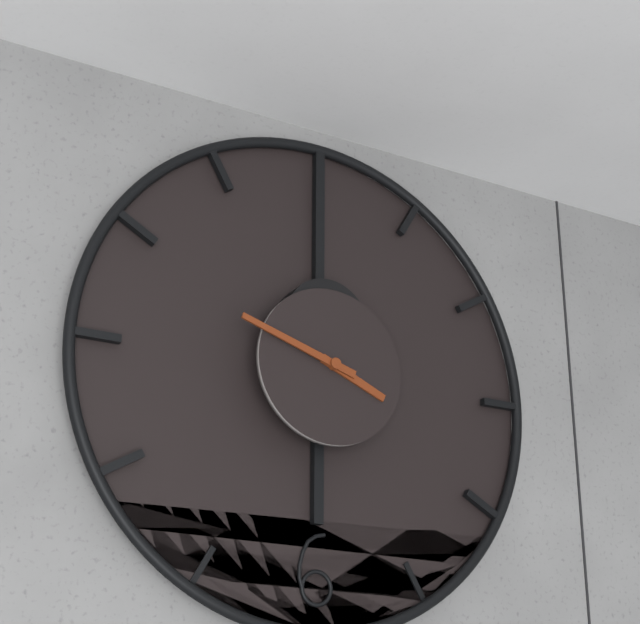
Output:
3.48
